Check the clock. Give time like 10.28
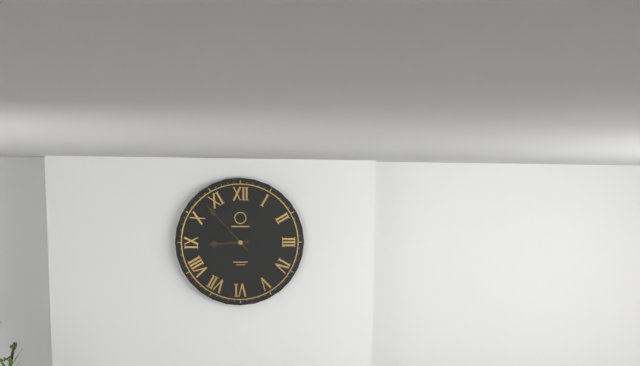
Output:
8.53
